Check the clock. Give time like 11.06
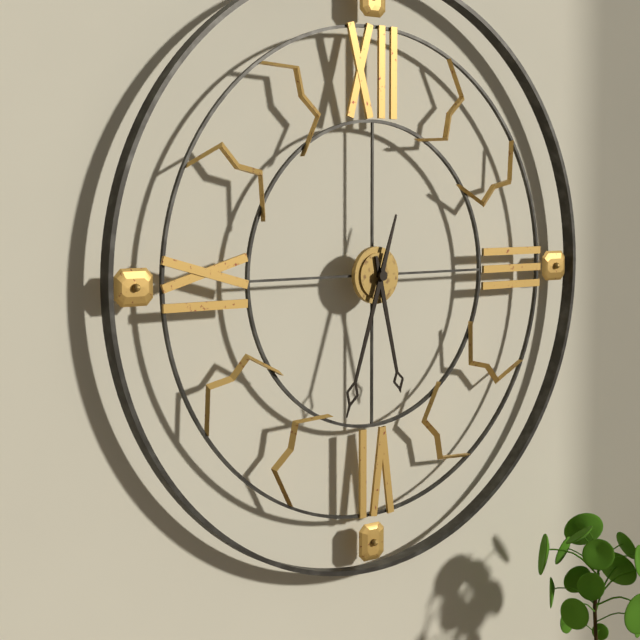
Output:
5.33
